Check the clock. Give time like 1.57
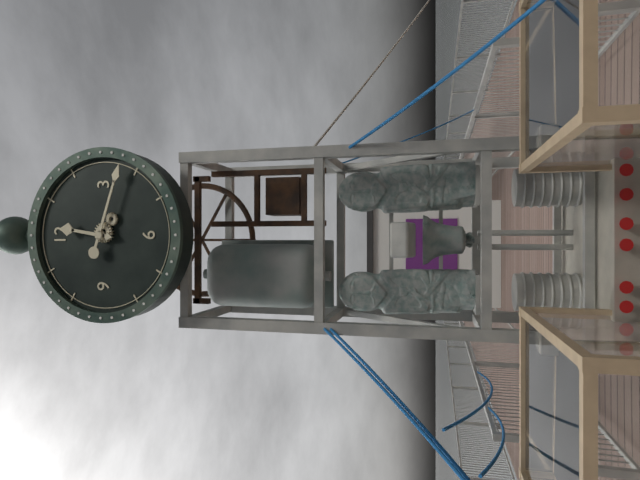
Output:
12.18
